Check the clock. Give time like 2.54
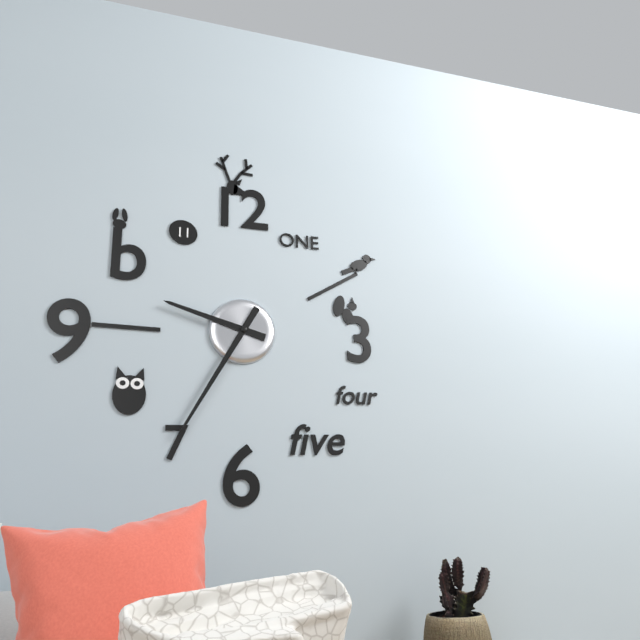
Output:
9.35
